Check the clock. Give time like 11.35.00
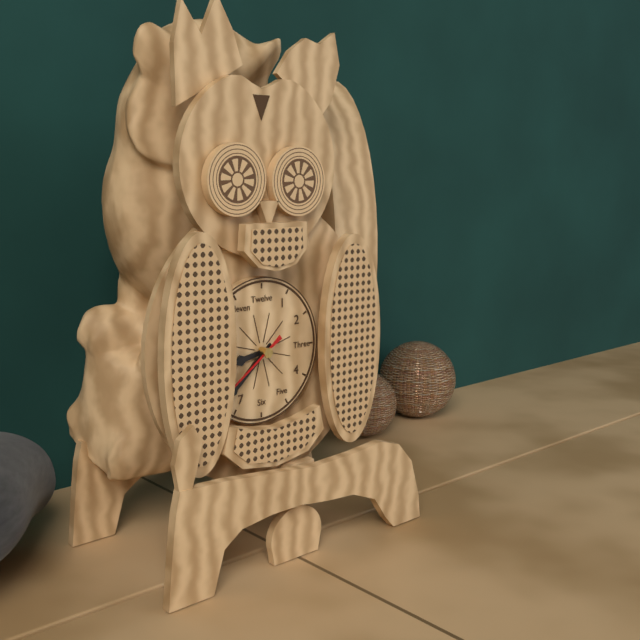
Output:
8.38.39
